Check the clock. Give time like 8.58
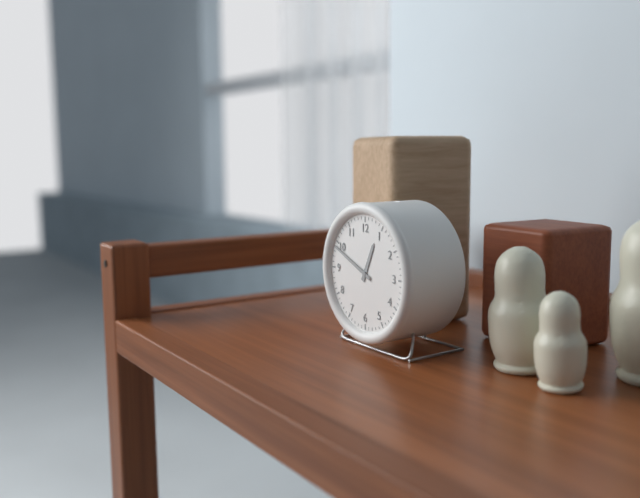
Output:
12.49
